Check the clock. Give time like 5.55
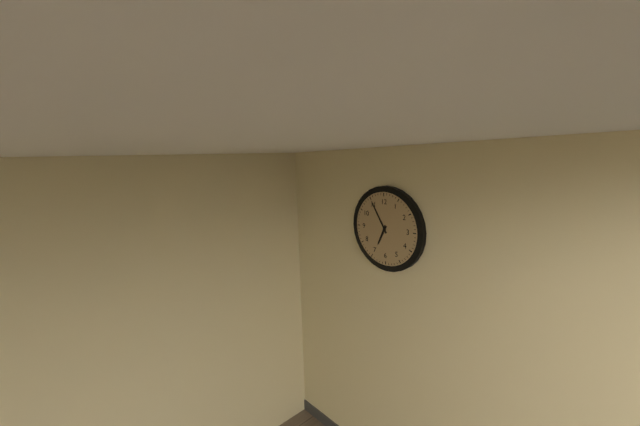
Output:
6.55
